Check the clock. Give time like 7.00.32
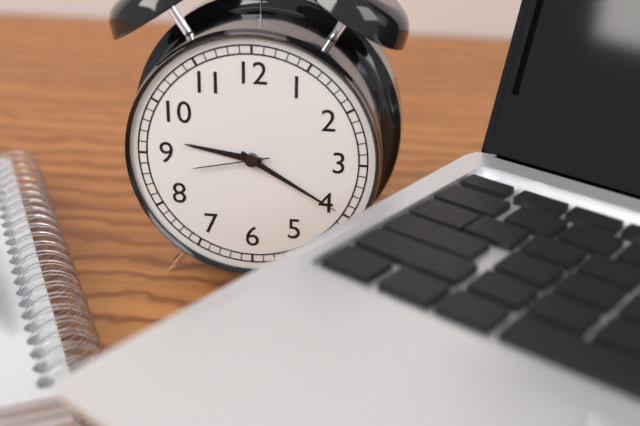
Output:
9.20.43
